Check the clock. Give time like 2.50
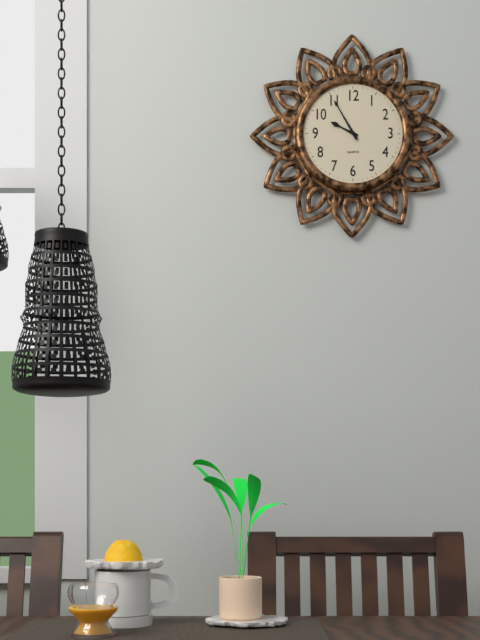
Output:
9.55
